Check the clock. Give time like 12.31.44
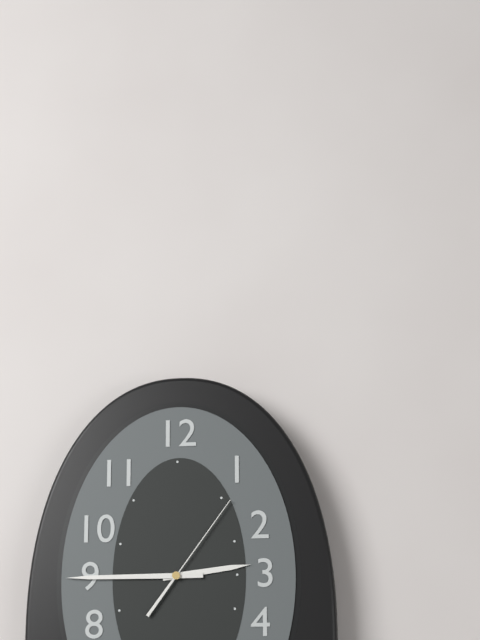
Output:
2.45.06
